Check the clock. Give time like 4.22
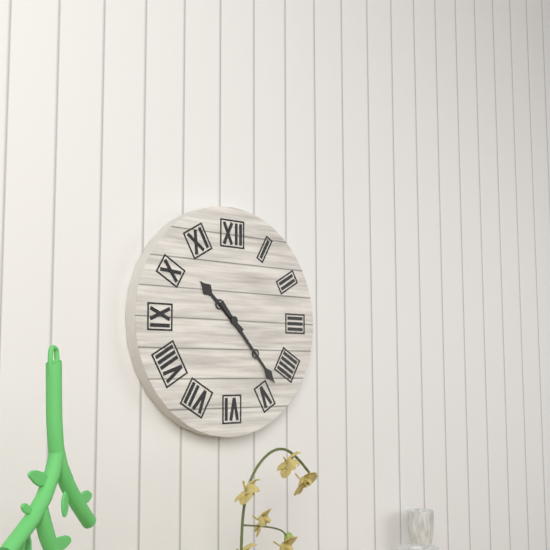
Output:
10.23
